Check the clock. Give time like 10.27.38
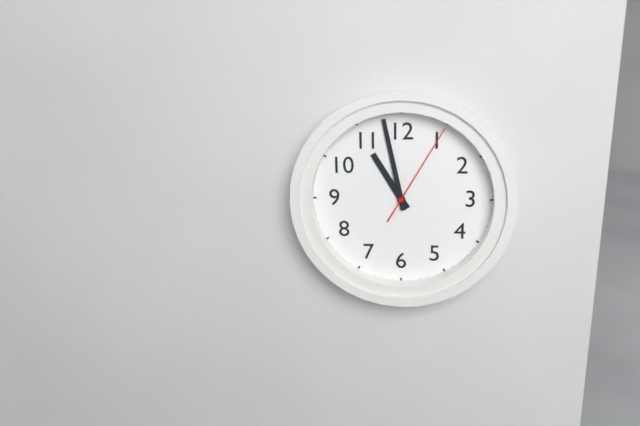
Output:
10.58.05
